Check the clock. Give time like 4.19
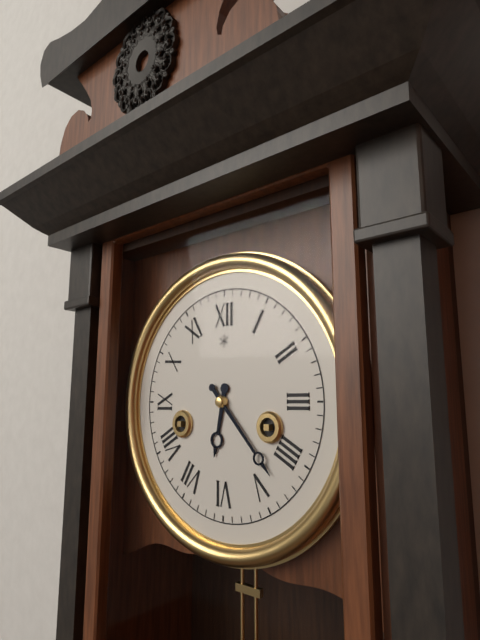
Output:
6.23
